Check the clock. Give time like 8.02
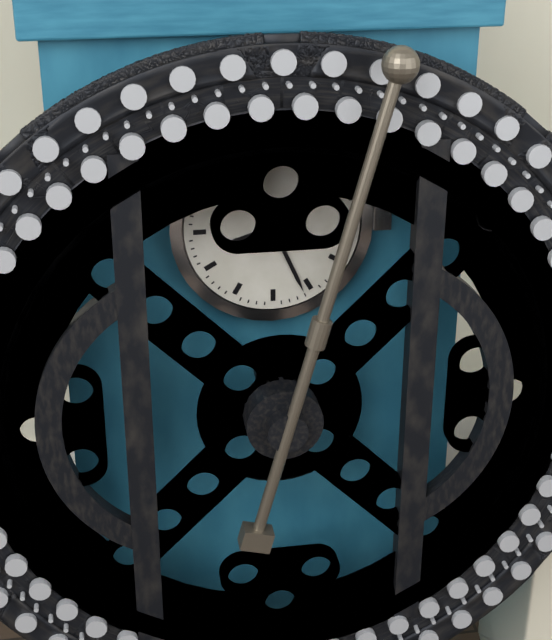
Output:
8.26
